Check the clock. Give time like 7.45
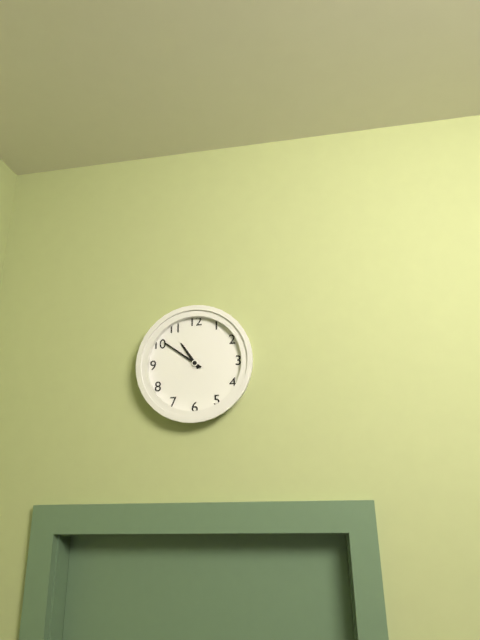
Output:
10.51
